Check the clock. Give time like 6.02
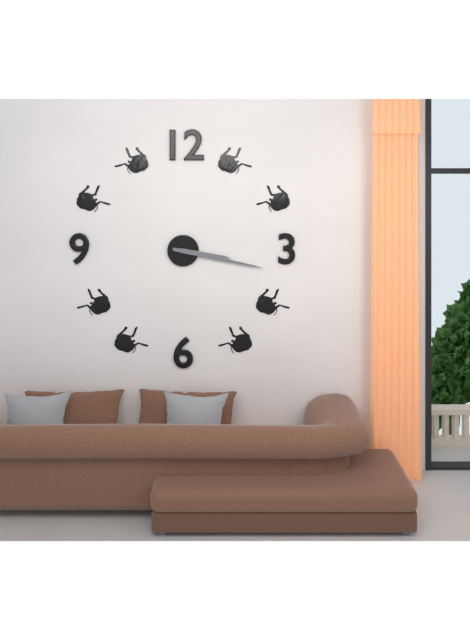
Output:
3.17
